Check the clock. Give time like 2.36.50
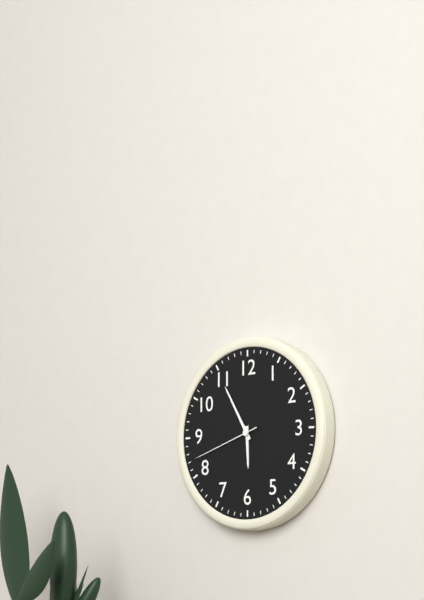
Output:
5.55.42
